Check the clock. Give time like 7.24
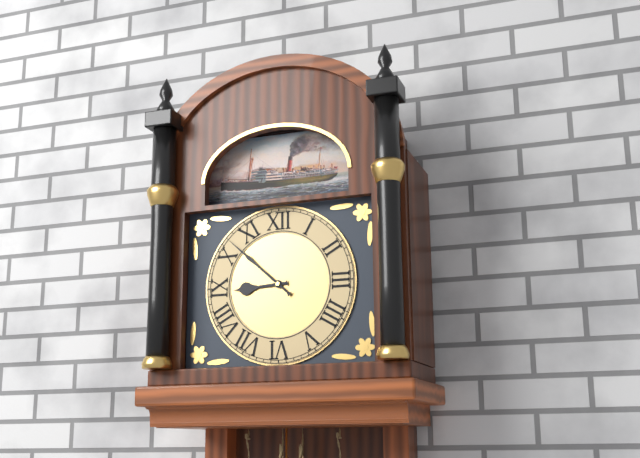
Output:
8.52
